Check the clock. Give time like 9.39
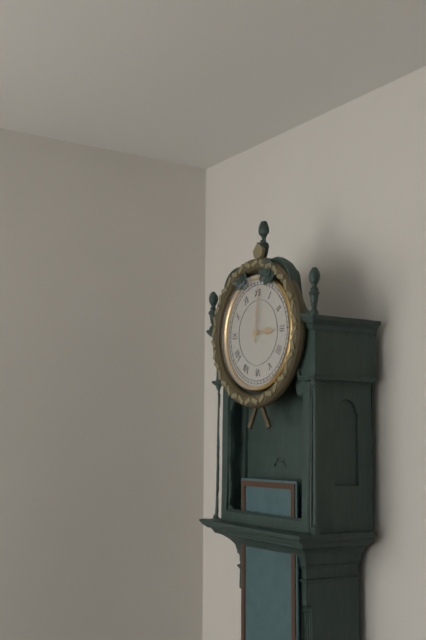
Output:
3.01
